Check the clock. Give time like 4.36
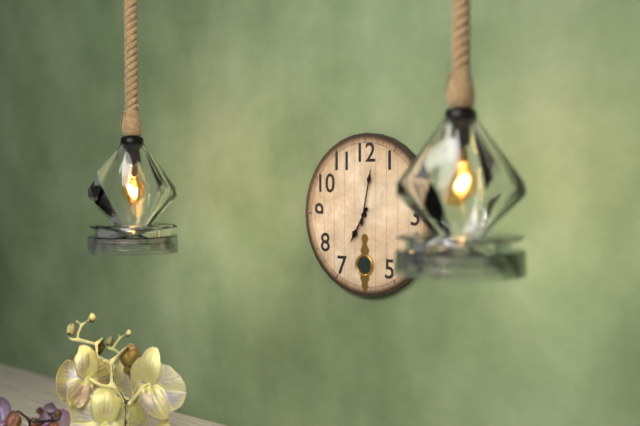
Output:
7.02
